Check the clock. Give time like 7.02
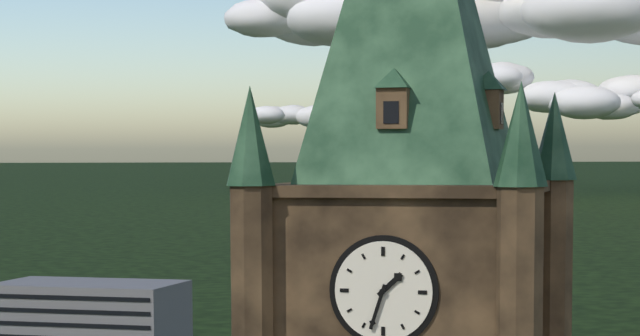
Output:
1.33
